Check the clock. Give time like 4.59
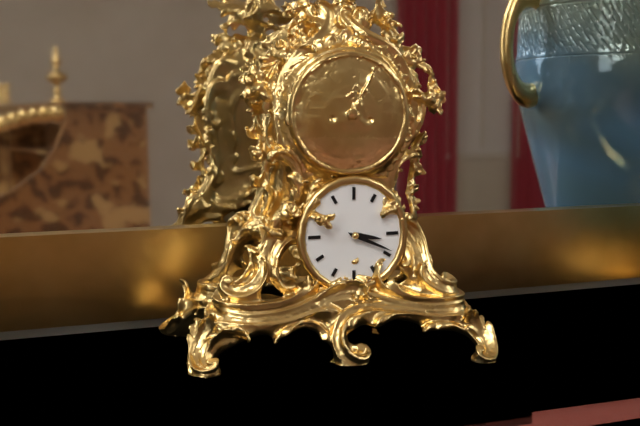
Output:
3.19
